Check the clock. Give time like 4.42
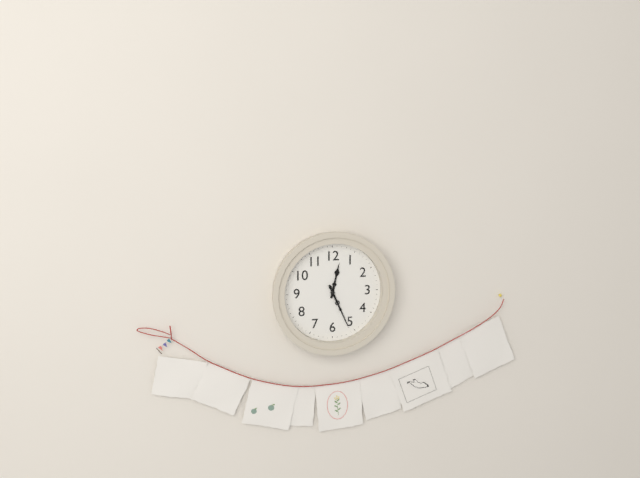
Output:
12.26
